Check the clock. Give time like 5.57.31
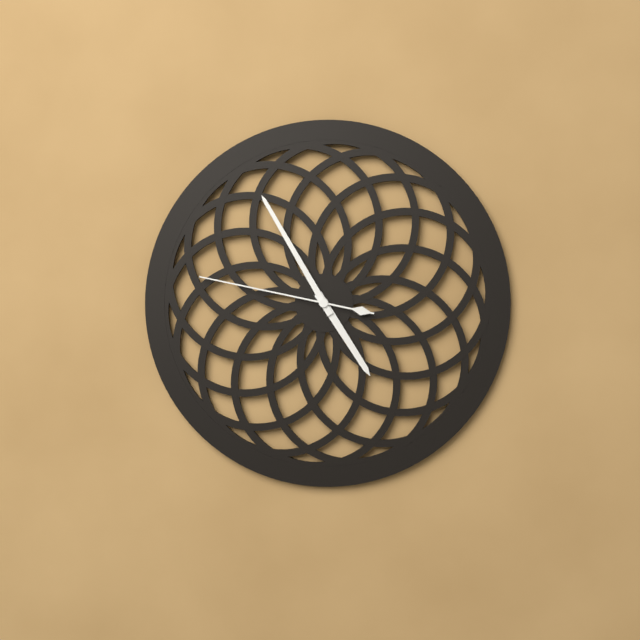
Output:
4.55.47
